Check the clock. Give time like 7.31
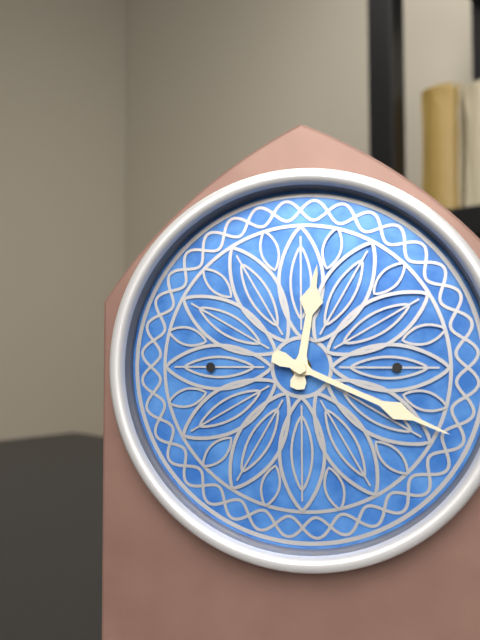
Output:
12.19
